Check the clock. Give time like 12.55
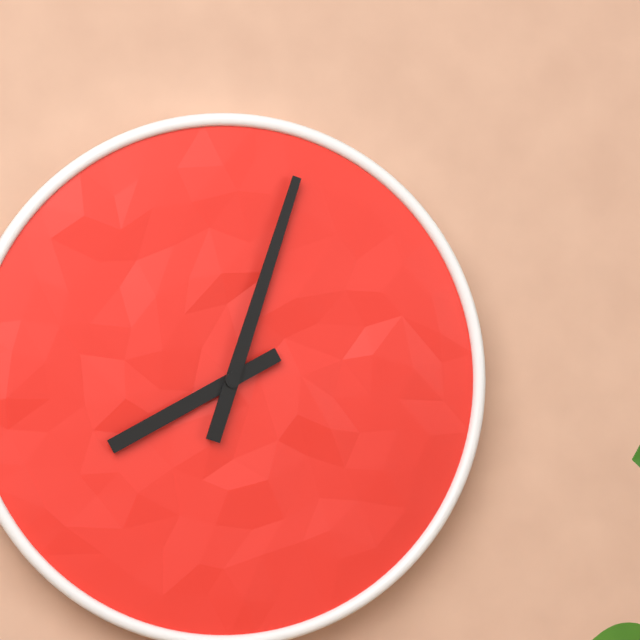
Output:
8.03
